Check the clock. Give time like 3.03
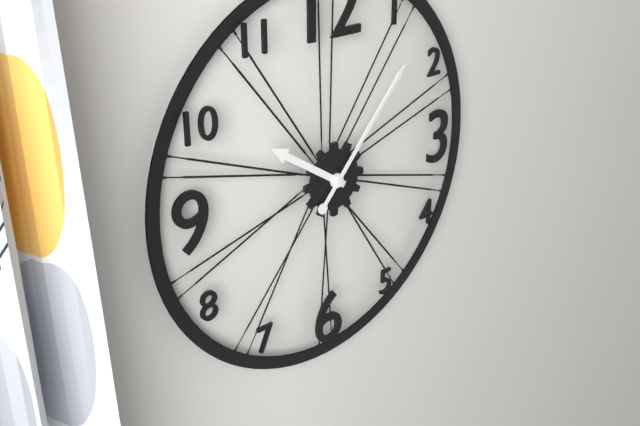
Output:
10.07
